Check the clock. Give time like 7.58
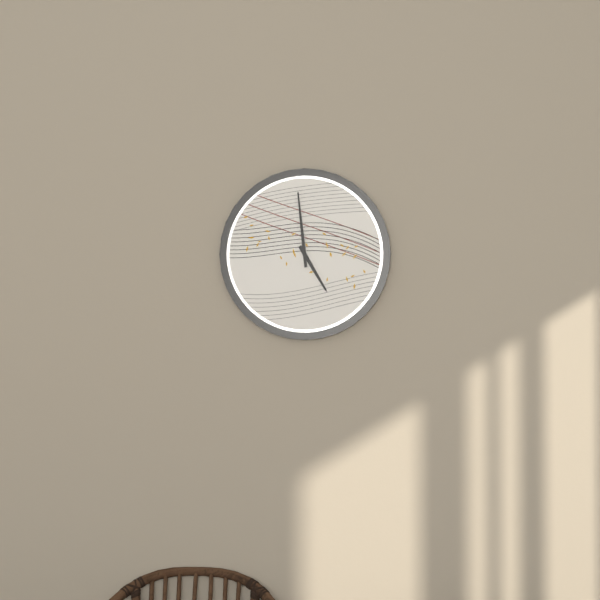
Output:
4.59
